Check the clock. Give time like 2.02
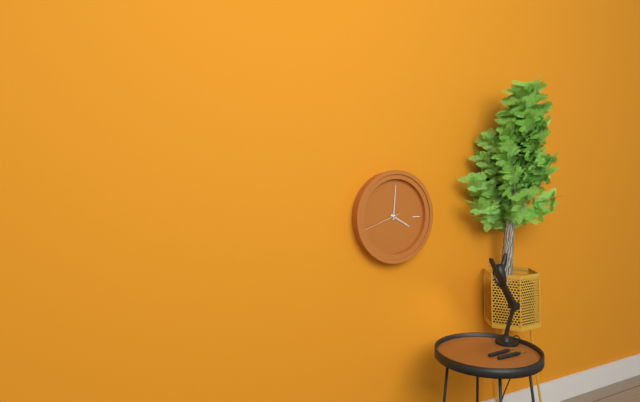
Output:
4.01
